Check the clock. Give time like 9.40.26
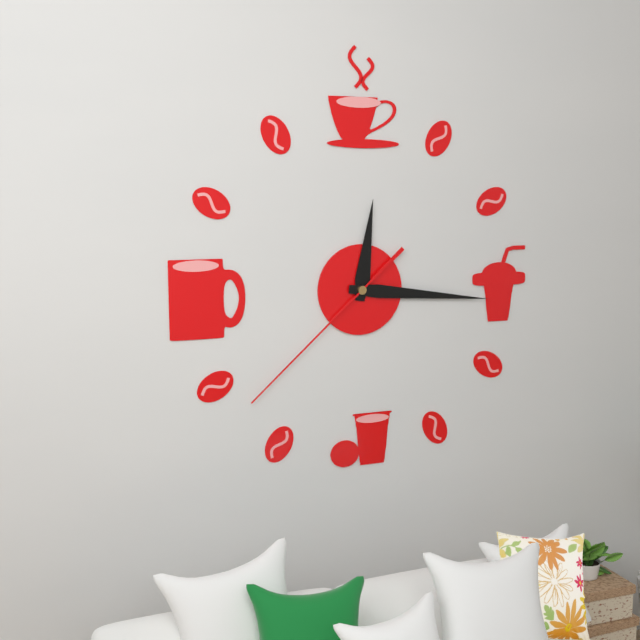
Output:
12.16.38
